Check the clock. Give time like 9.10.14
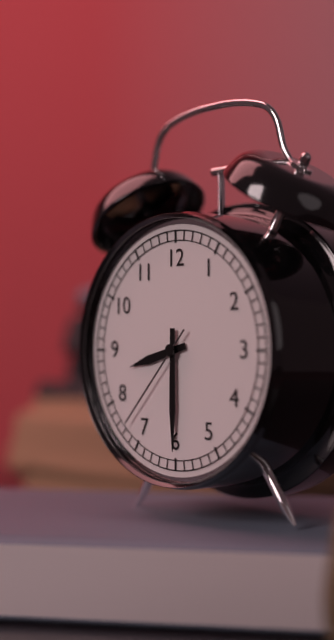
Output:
8.30.37
